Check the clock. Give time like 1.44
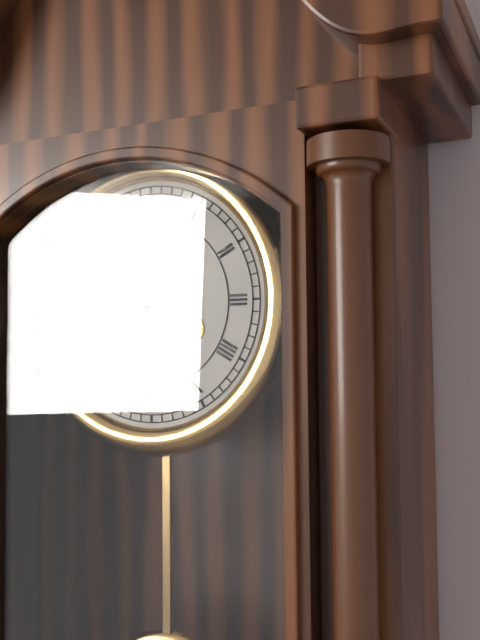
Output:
6.36
